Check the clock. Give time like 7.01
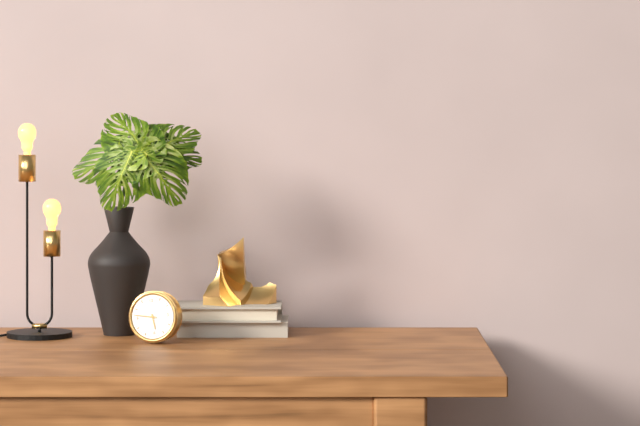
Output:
5.47
